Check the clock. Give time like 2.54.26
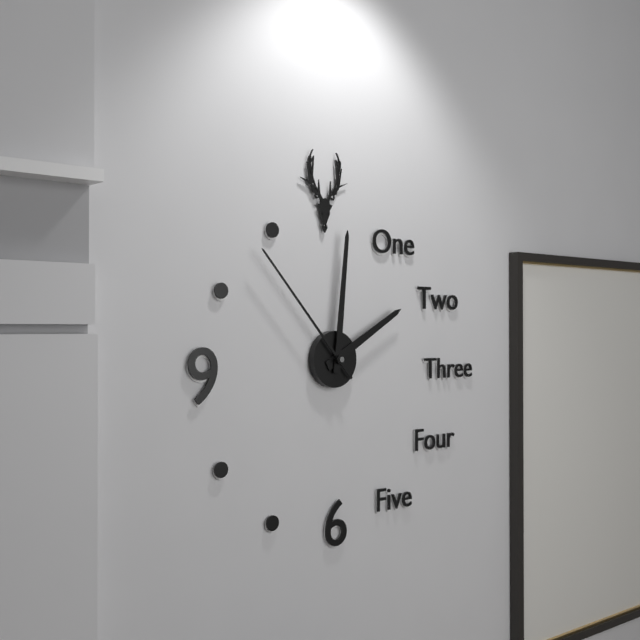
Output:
2.01.53
